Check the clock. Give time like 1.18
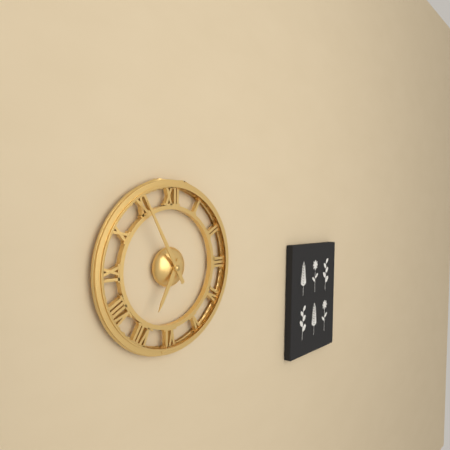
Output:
6.55
